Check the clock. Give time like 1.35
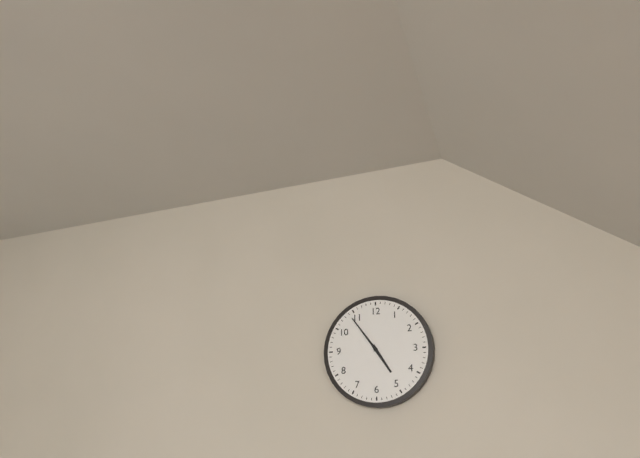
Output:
4.54
